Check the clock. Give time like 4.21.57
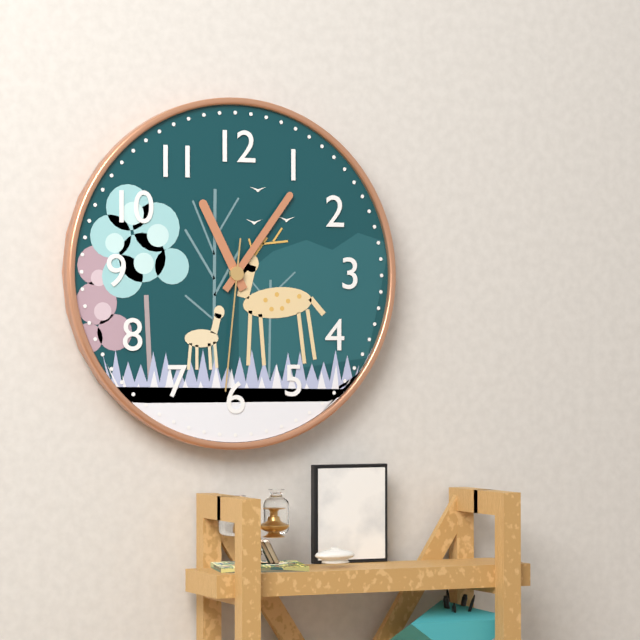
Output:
11.06.31
